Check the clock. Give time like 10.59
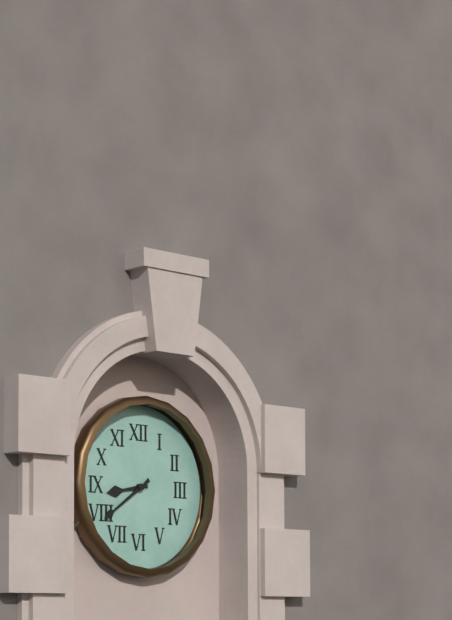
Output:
8.39
